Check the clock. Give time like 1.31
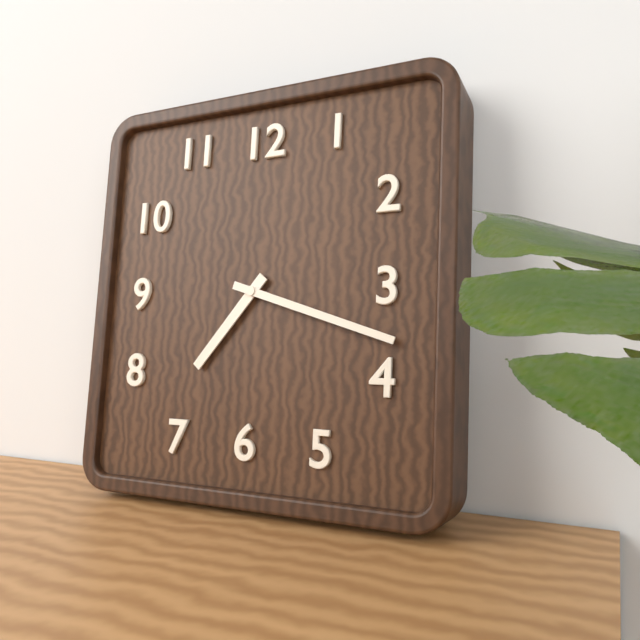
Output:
7.18
